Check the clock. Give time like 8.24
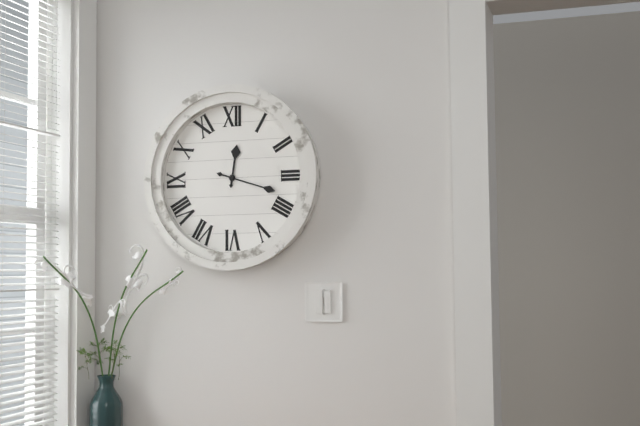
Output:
12.18
